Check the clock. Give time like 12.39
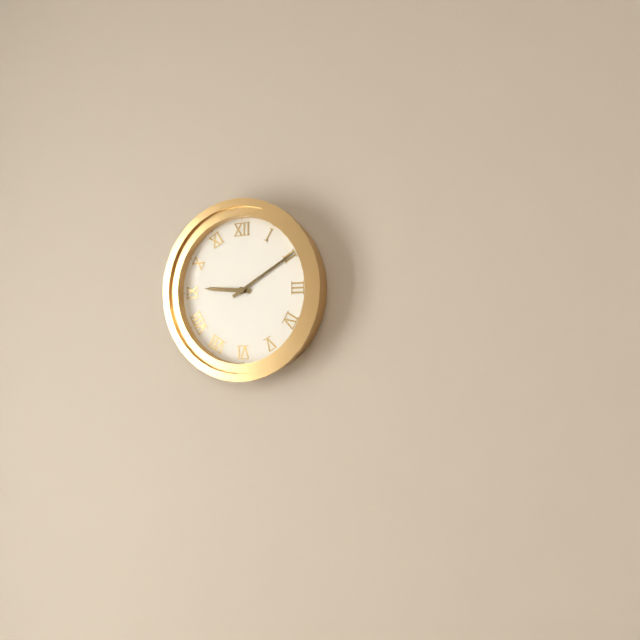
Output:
9.10
